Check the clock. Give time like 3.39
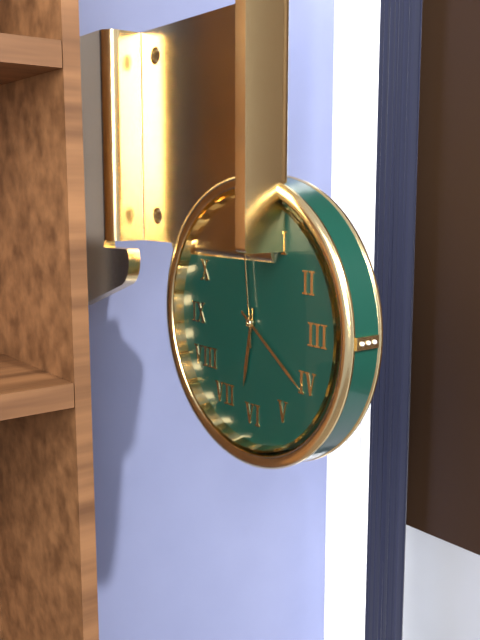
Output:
6.21
